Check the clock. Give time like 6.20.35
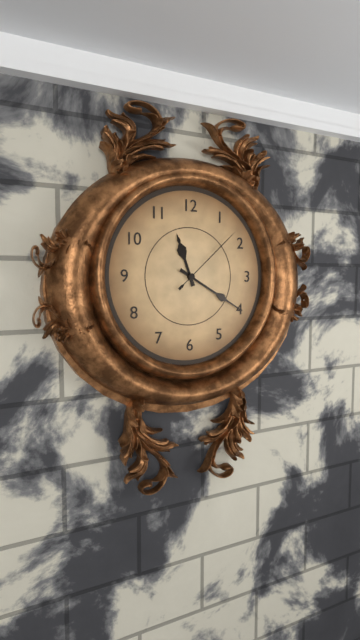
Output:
11.20.08
